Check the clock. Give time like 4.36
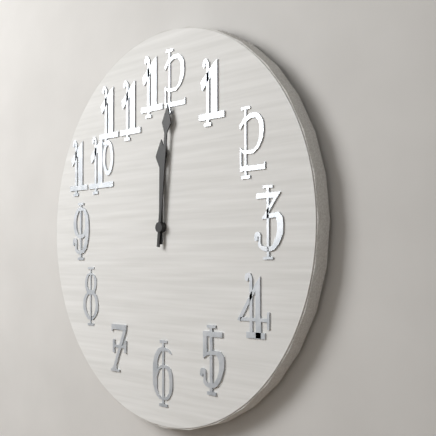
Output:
12.01
